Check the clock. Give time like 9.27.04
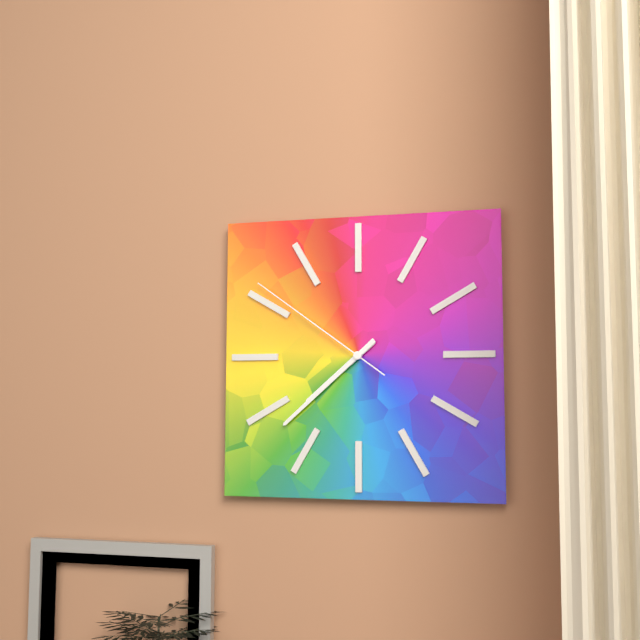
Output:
7.38.51
